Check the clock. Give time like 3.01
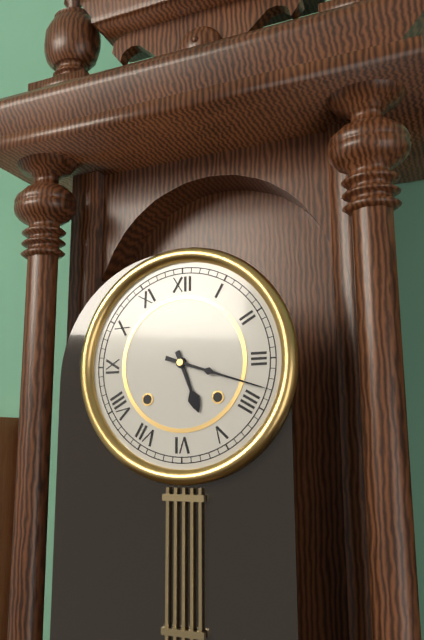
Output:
5.18
